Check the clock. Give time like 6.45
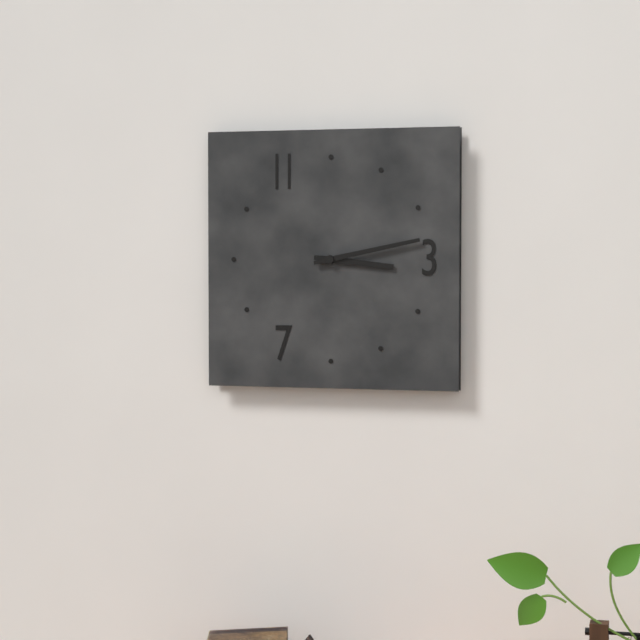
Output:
3.13
